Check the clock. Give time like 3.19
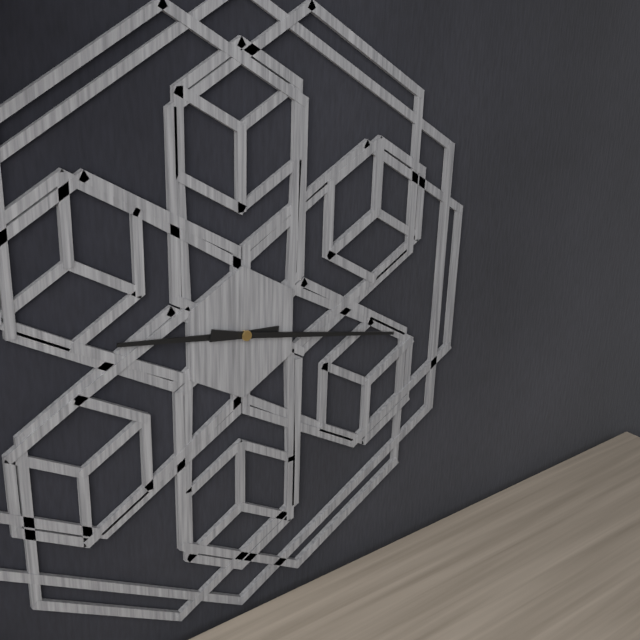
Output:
9.17
